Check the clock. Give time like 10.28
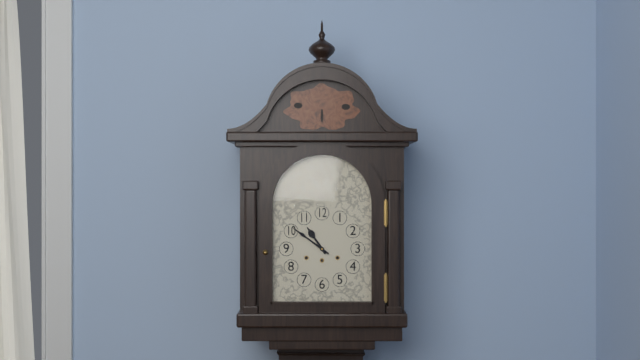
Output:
10.51
